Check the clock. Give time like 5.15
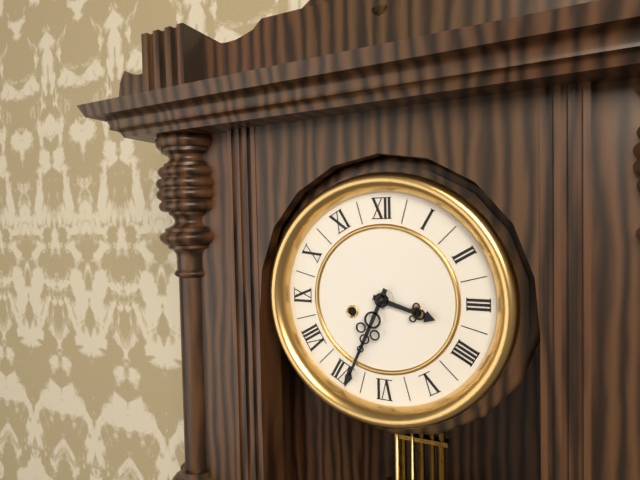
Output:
3.34
